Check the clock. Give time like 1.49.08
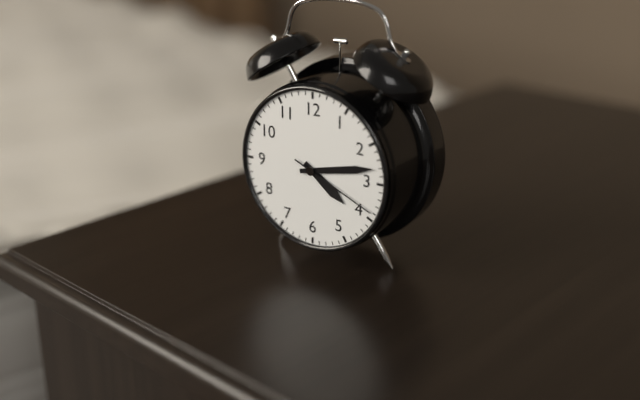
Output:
4.13.19
